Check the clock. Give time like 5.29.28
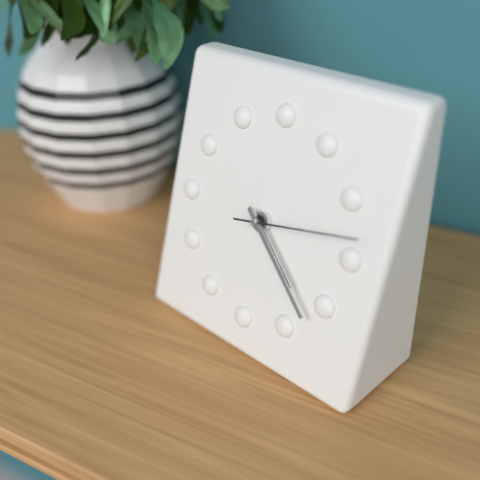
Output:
4.22.13
